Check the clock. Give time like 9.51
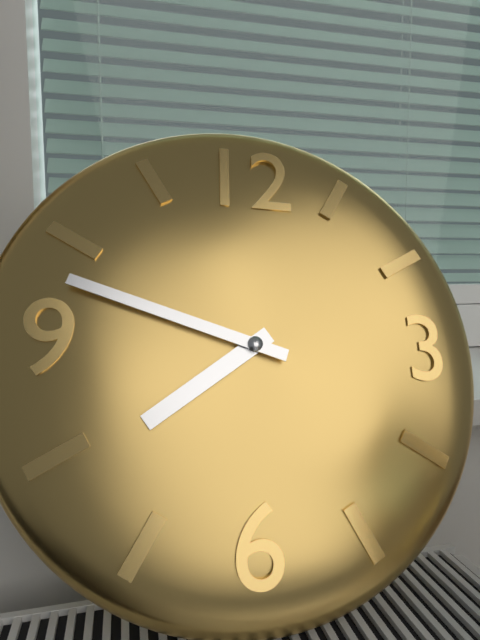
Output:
7.48
